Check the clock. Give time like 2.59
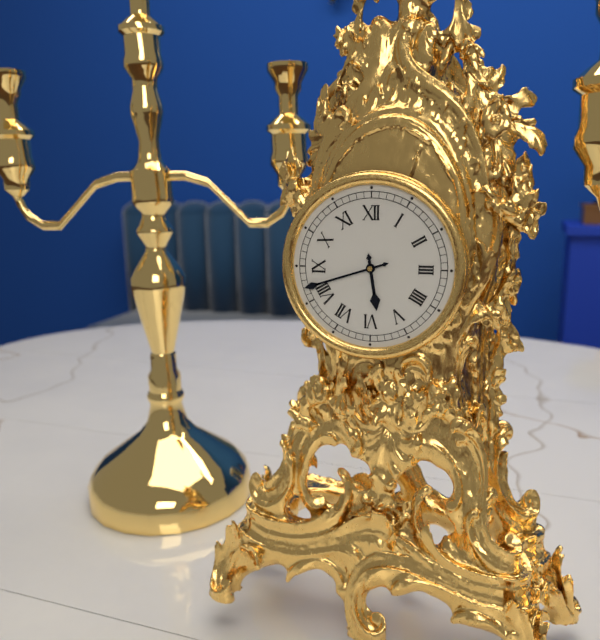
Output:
5.42
